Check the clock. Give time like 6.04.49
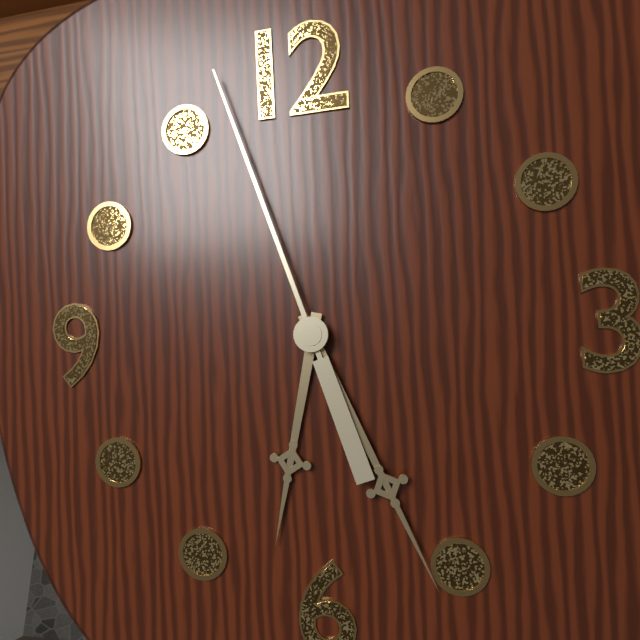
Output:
6.26.57
